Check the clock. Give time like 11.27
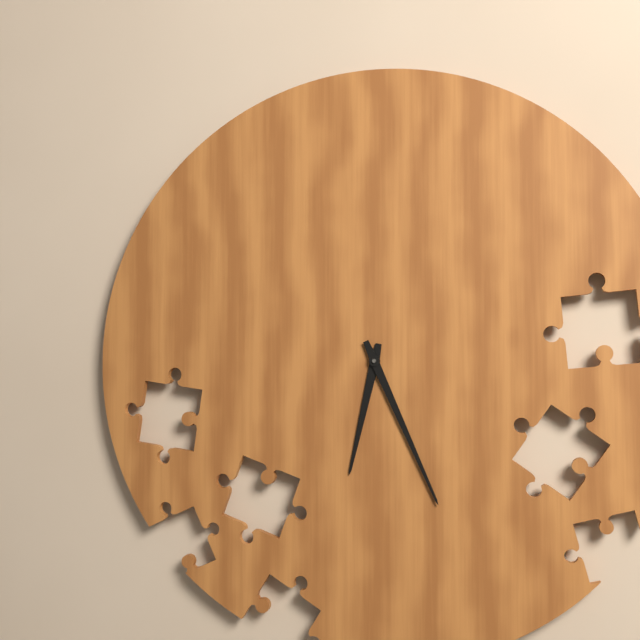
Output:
6.26
